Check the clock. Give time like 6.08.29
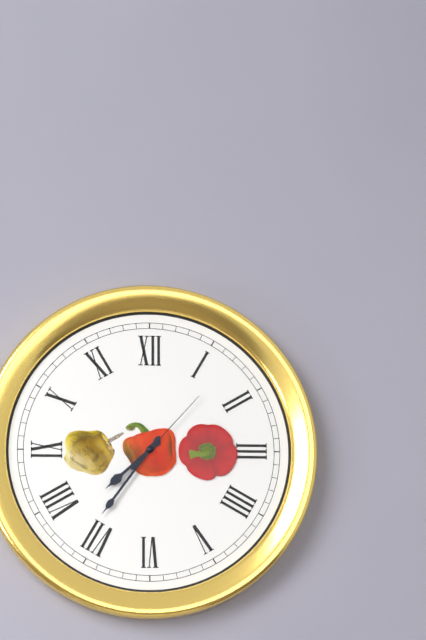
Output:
7.36.07
